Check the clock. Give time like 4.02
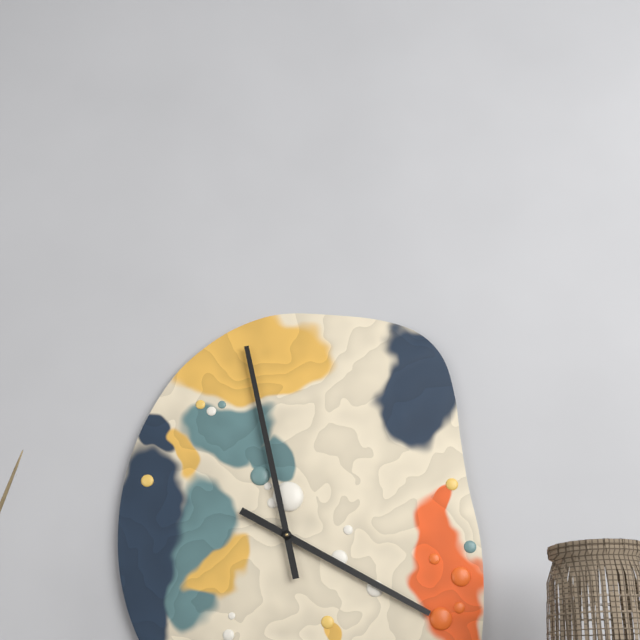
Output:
3.58
